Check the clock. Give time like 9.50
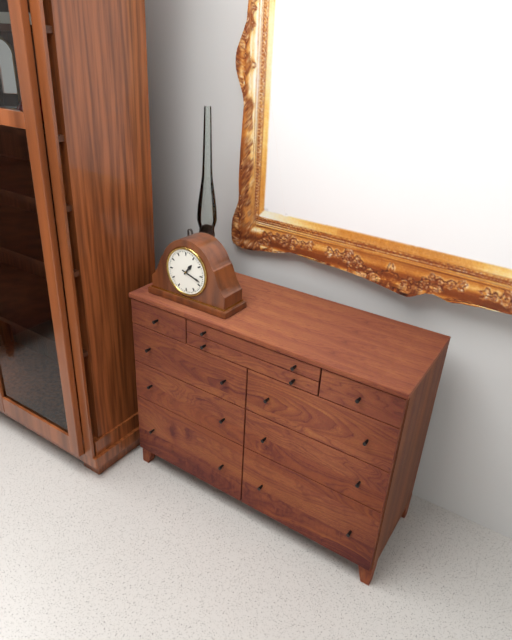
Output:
1.18
